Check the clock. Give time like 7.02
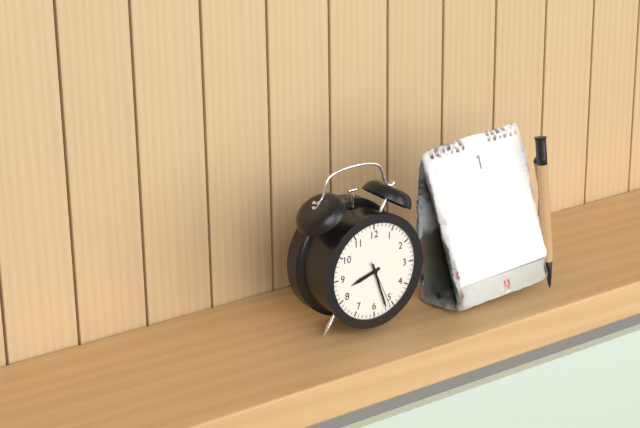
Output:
8.27
